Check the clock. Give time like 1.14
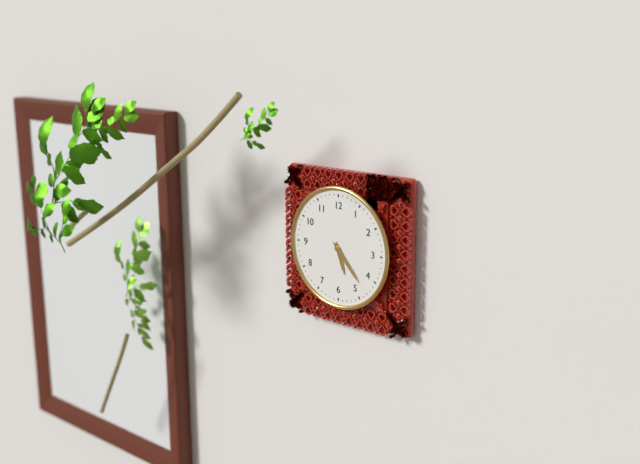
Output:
5.23
